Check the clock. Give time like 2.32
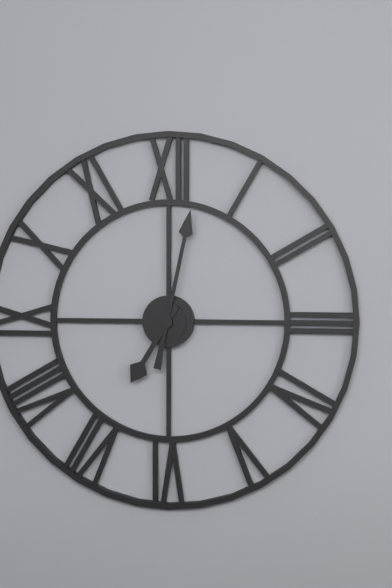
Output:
7.02
